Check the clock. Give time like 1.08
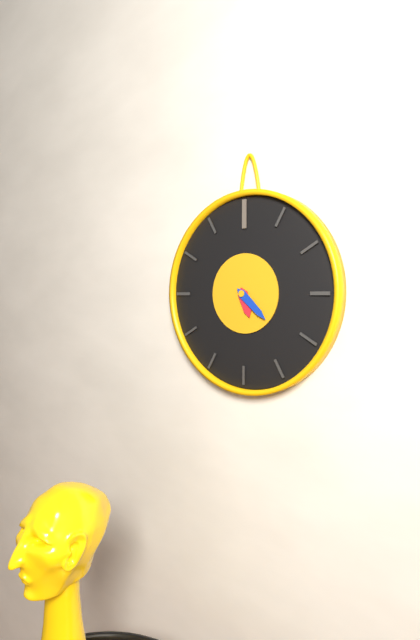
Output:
5.22
